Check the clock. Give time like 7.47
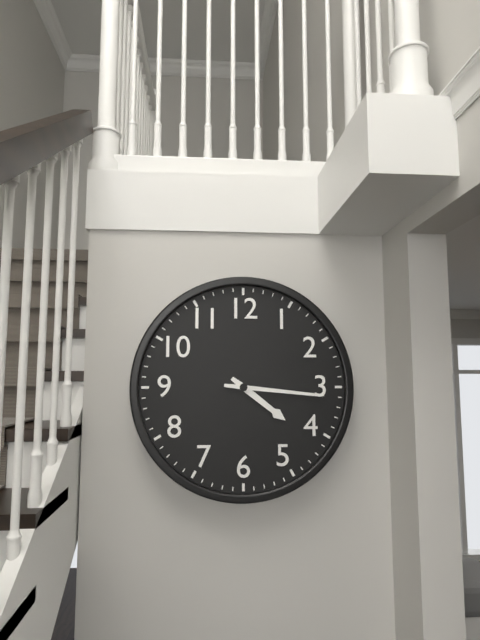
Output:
4.16
